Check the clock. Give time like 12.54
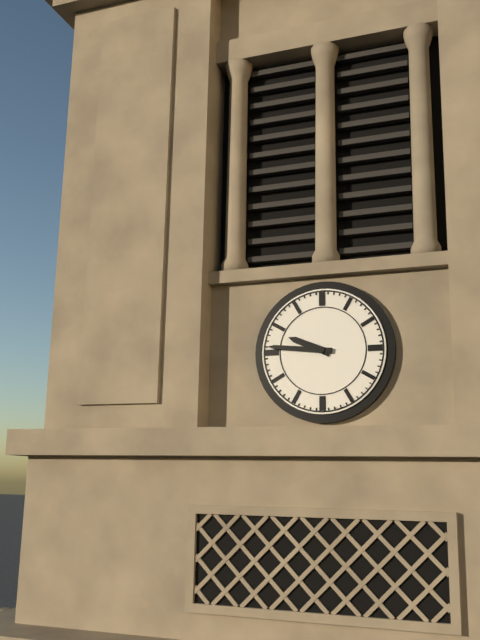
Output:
9.46
